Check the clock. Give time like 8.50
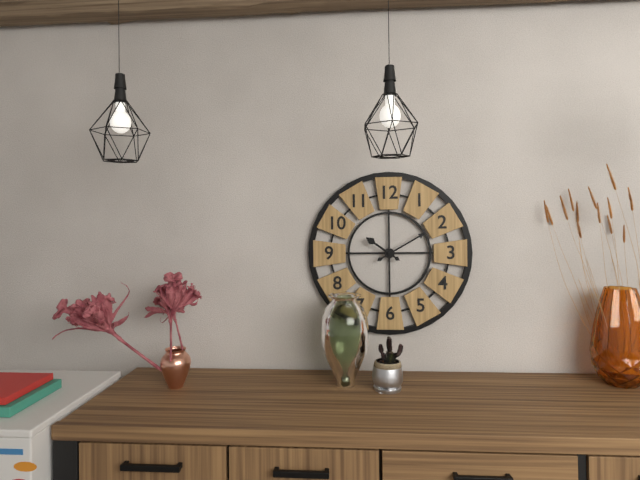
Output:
10.10
